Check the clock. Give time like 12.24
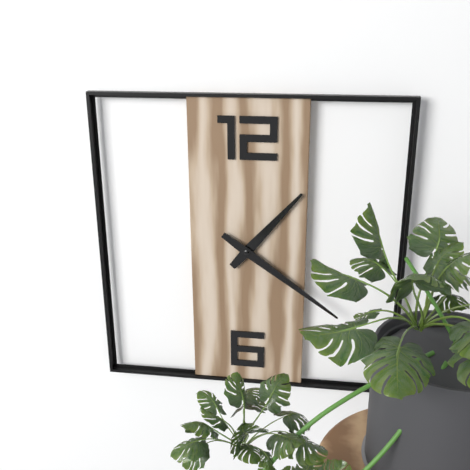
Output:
1.21
